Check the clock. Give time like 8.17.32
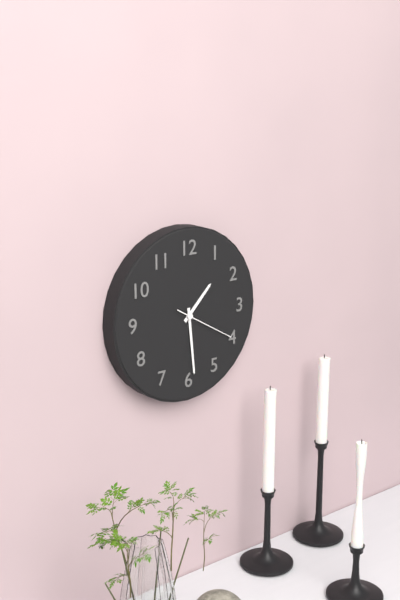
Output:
1.29.20
